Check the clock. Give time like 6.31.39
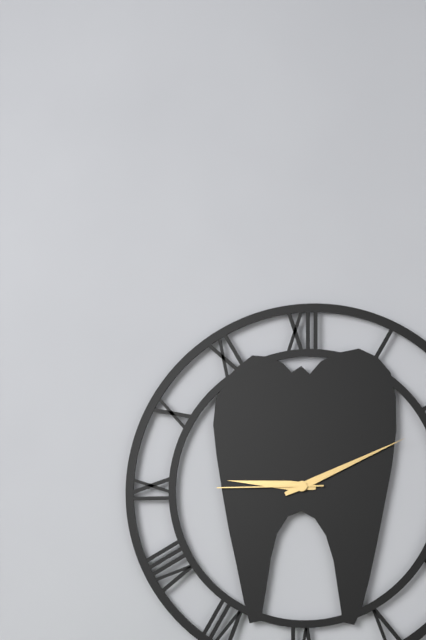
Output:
9.11.45
